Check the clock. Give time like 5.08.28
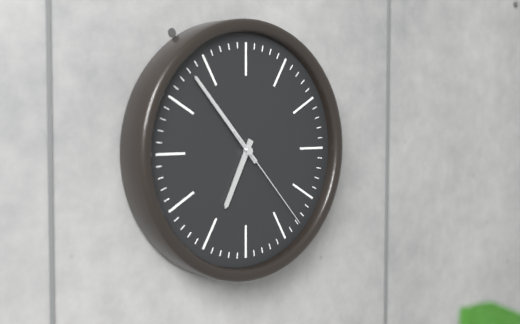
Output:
6.53.23
